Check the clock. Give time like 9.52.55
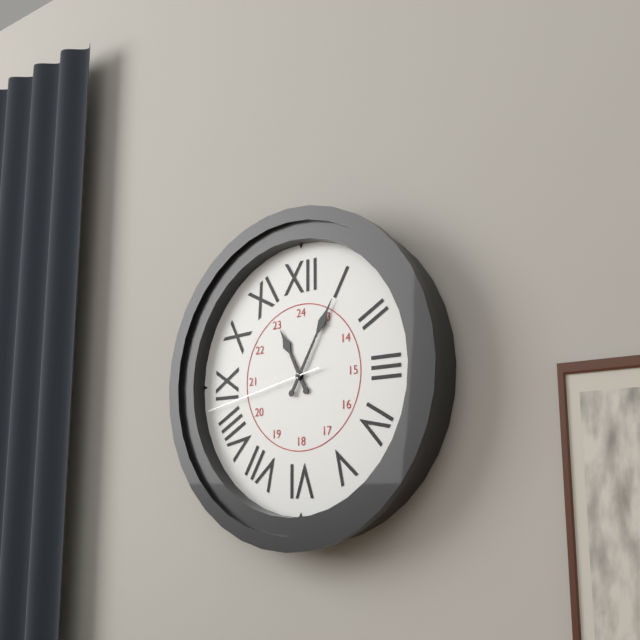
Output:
11.05.43
